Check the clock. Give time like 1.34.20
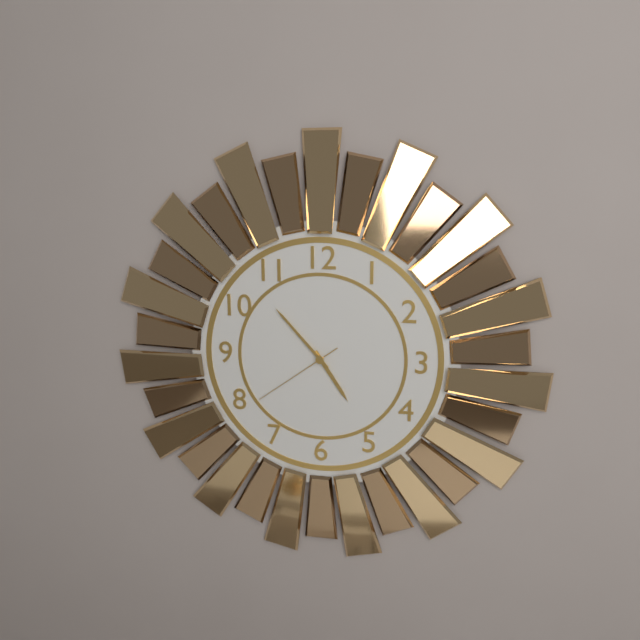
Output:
4.53.39
